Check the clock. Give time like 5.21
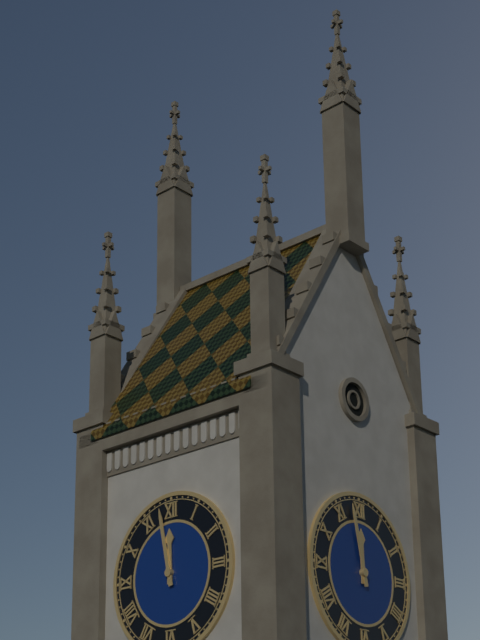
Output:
11.58
